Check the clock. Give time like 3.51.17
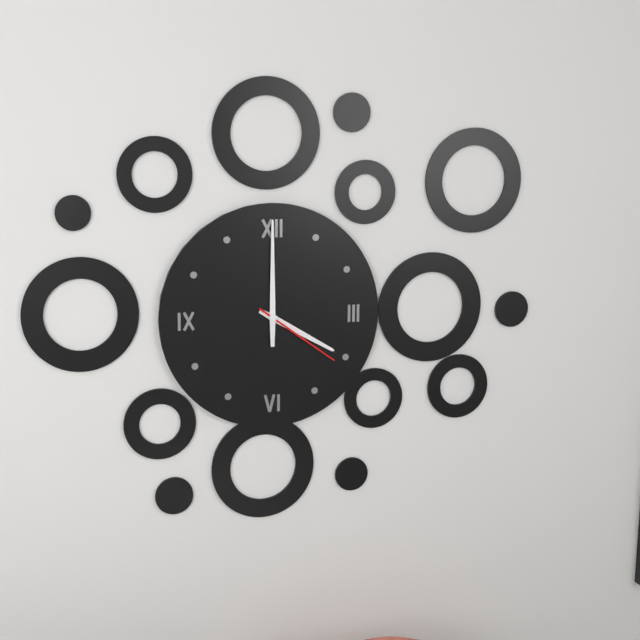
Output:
4.00.21
